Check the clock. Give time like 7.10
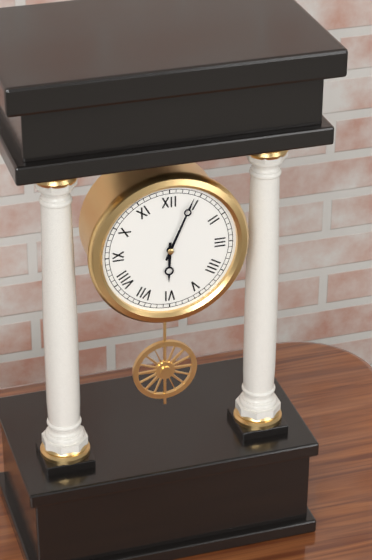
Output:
6.04
